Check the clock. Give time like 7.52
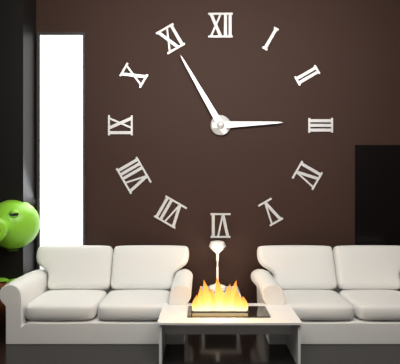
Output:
2.55
